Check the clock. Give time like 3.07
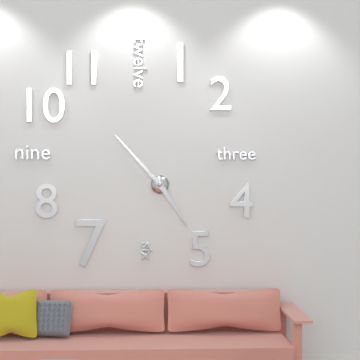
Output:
4.53
